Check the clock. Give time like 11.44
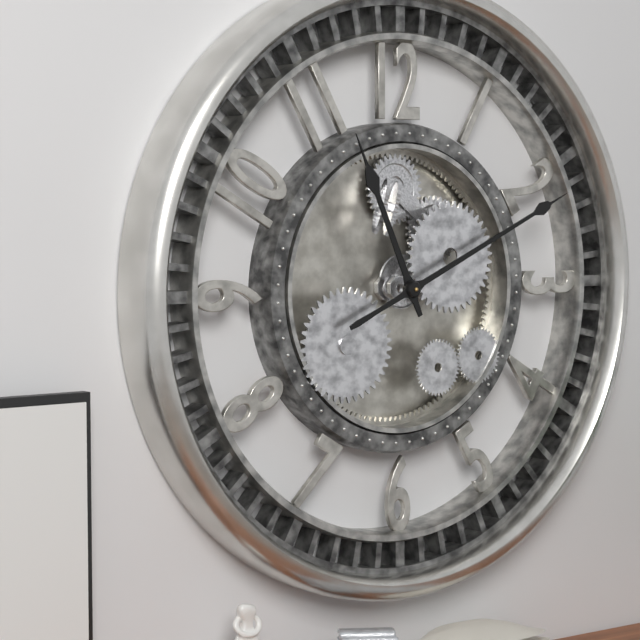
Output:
11.11
